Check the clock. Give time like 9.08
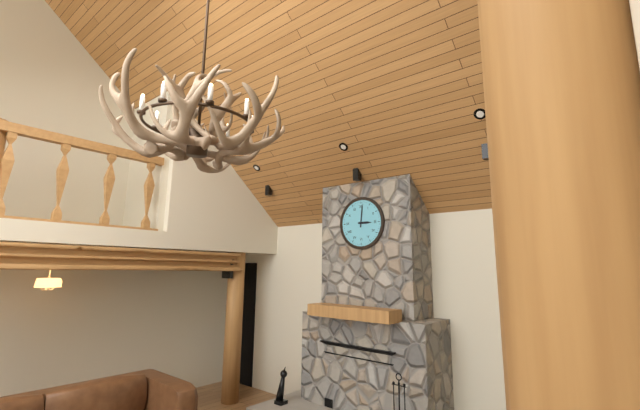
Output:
3.01
